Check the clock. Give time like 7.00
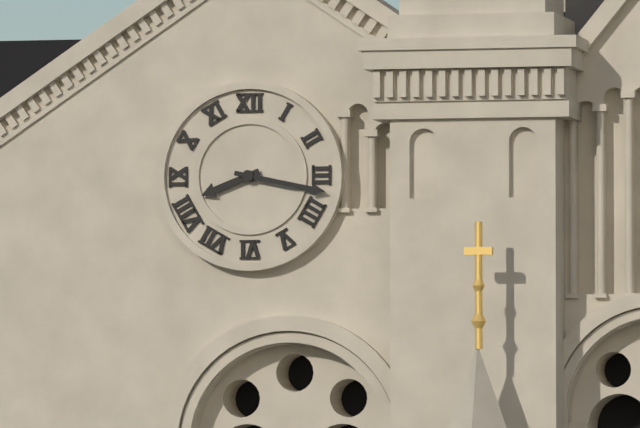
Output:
8.17
